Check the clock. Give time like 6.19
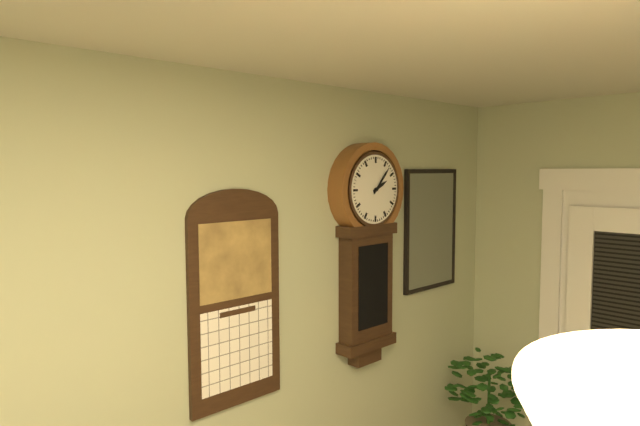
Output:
2.07
